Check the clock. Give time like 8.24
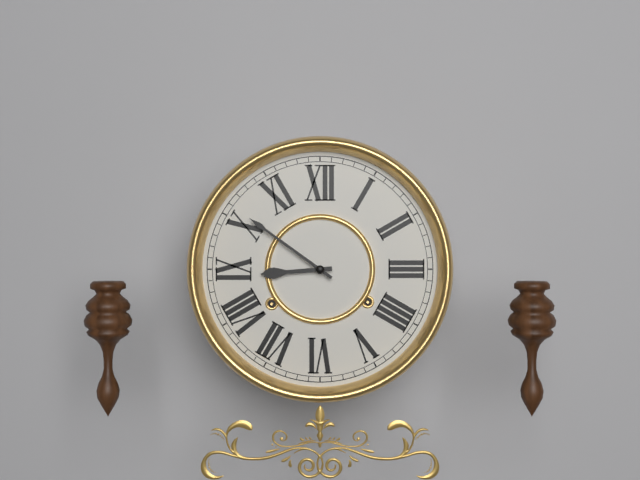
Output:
8.51
